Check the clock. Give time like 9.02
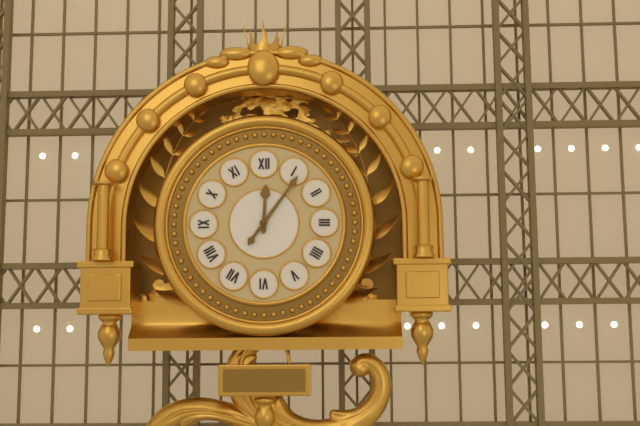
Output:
12.06
